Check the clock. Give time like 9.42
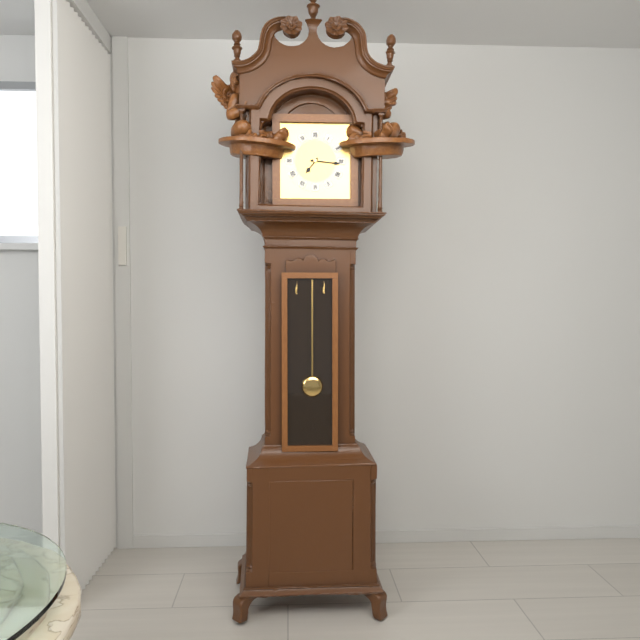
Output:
7.16
